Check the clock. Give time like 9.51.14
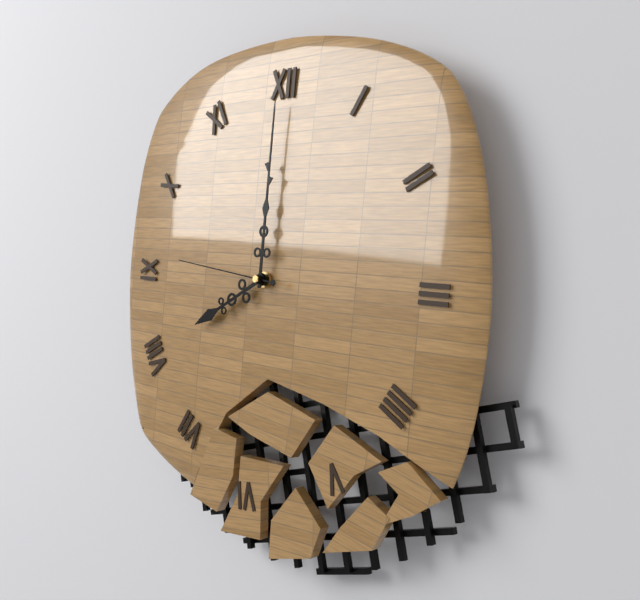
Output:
8.00.46
